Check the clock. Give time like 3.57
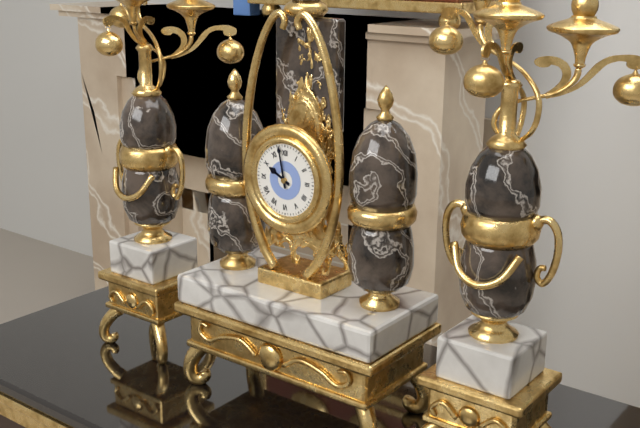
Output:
9.58
